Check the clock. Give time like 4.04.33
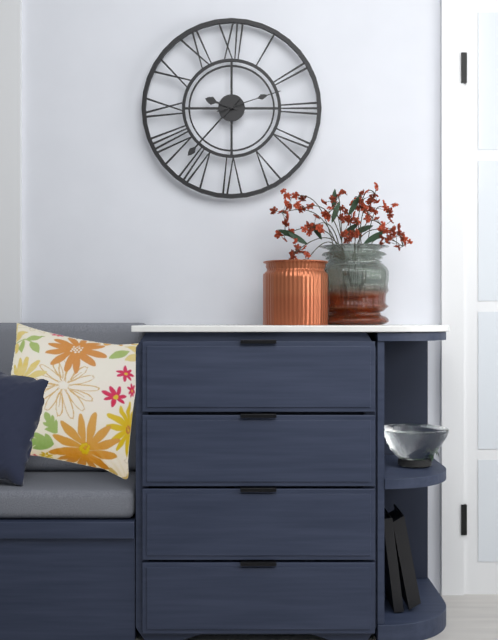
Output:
9.37.12
